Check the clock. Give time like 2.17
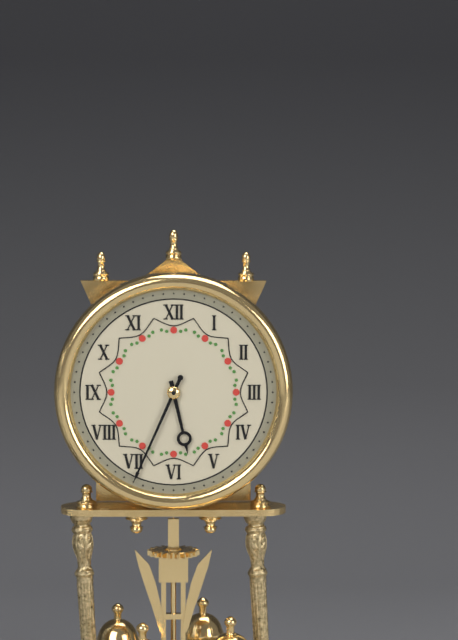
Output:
5.34
